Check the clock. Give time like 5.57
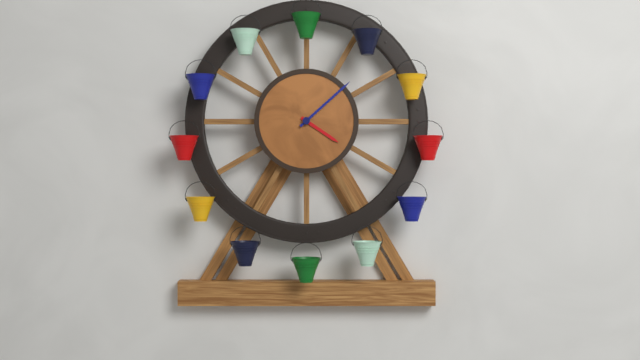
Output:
4.08
